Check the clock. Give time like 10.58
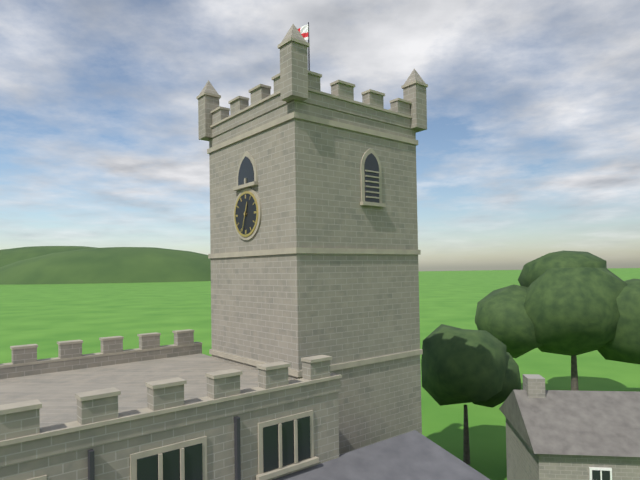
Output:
12.33
